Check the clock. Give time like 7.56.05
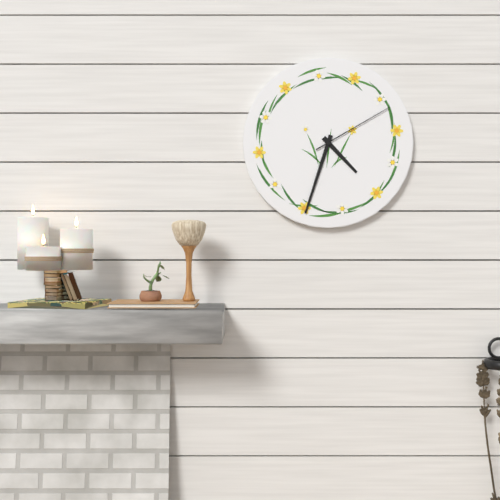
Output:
4.33.10
